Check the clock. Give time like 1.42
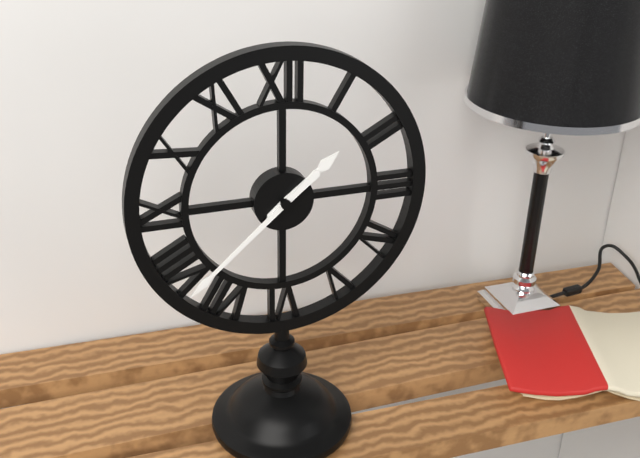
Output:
1.38
